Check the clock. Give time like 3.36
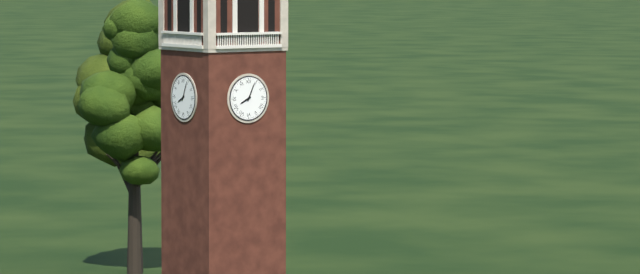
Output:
8.04
